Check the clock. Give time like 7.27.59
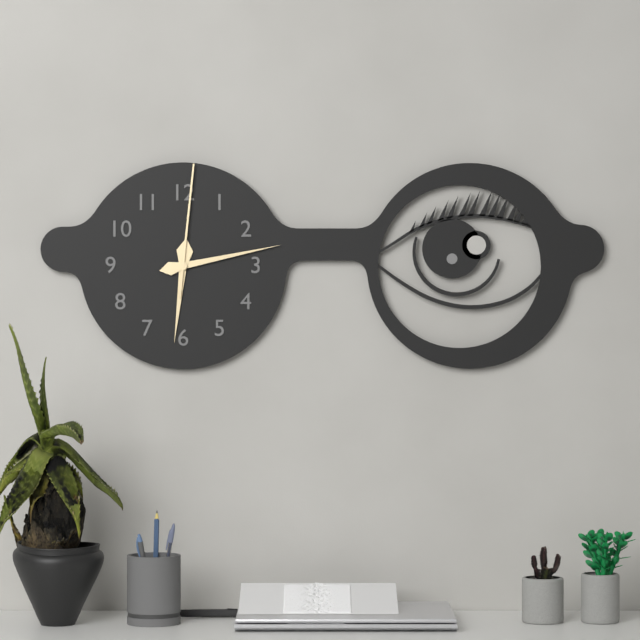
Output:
6.13.01
